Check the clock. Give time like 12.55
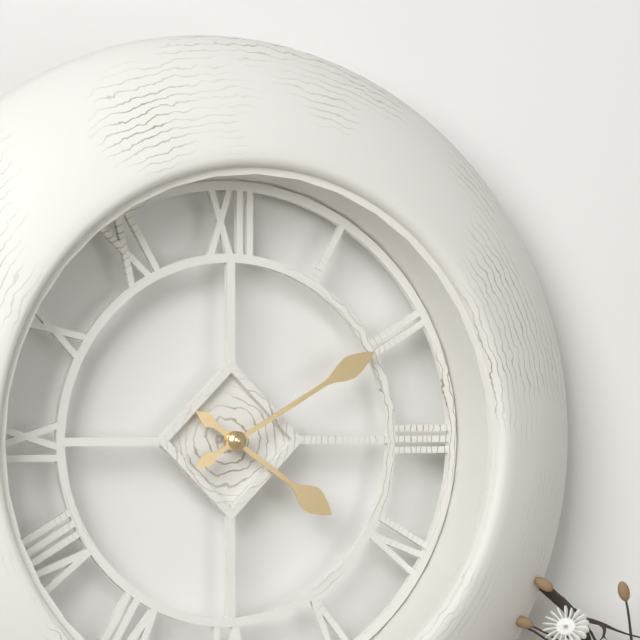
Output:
4.10
